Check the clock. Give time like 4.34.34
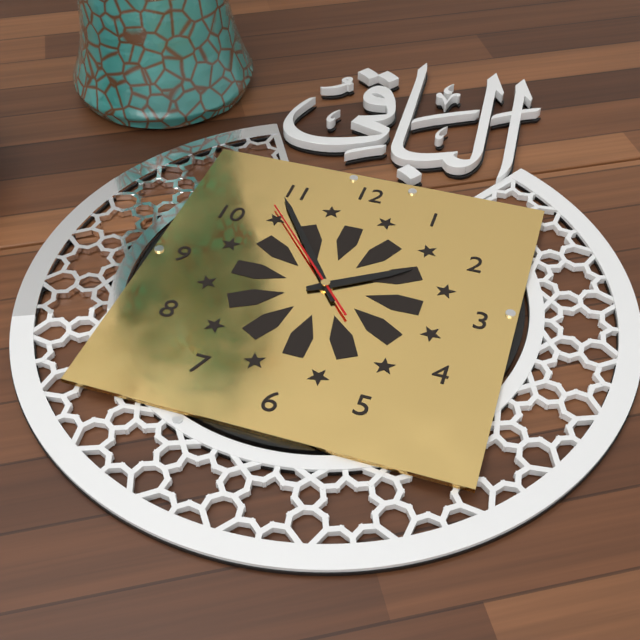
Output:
1.54.53
